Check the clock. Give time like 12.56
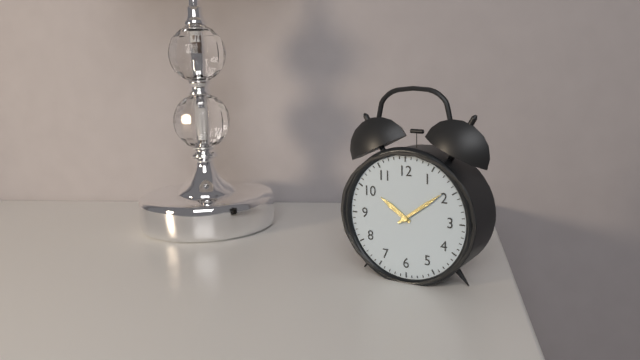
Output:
10.09
